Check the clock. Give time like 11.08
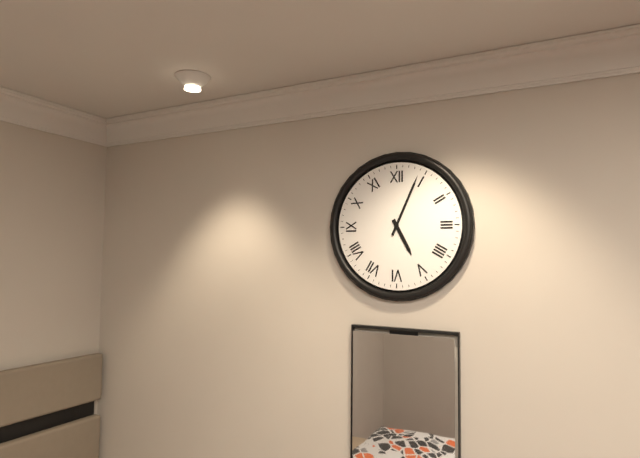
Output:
5.04
